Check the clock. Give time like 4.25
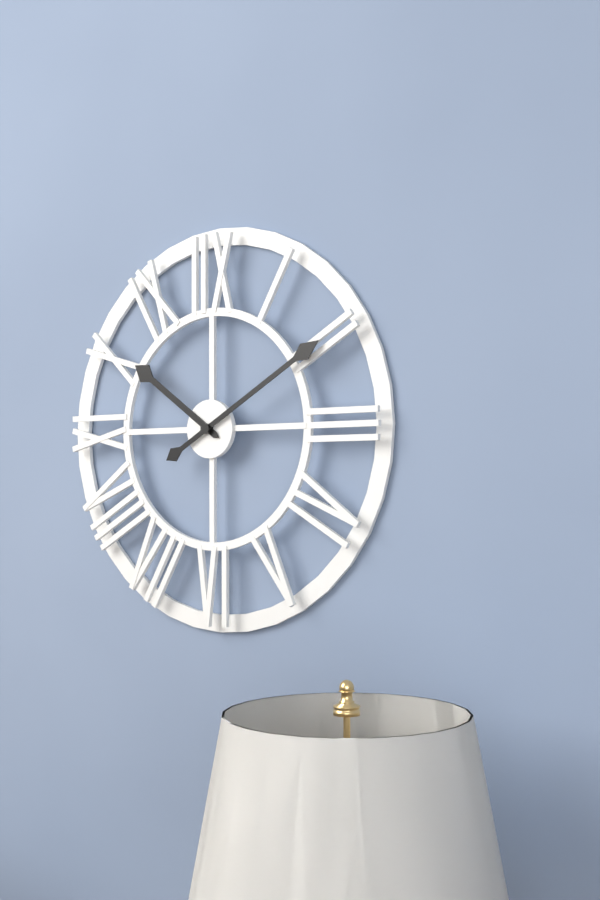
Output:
10.10
